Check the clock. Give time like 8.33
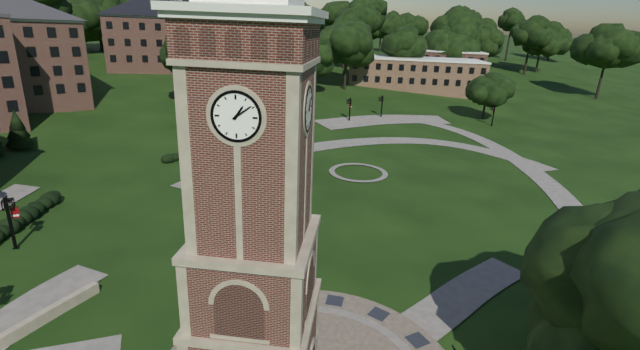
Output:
1.09
